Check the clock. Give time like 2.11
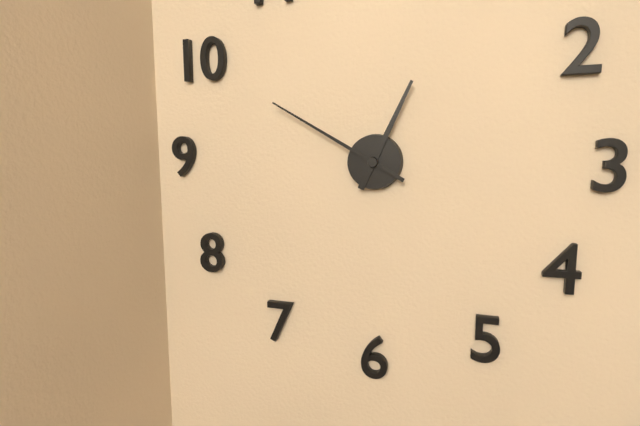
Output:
12.50
